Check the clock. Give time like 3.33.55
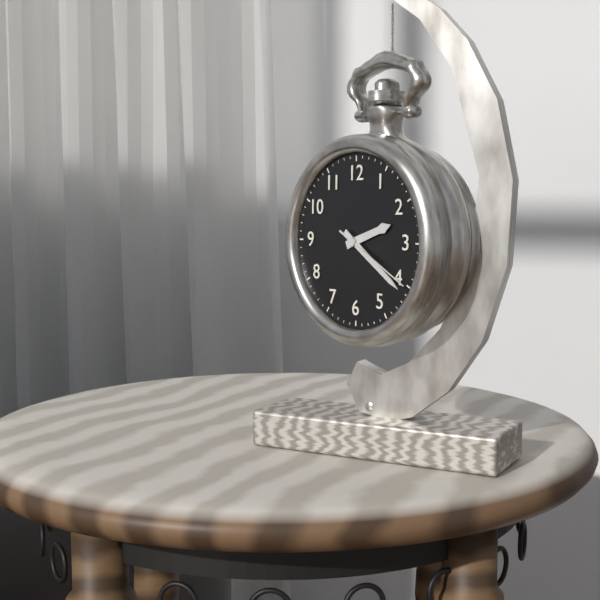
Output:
2.21.20
